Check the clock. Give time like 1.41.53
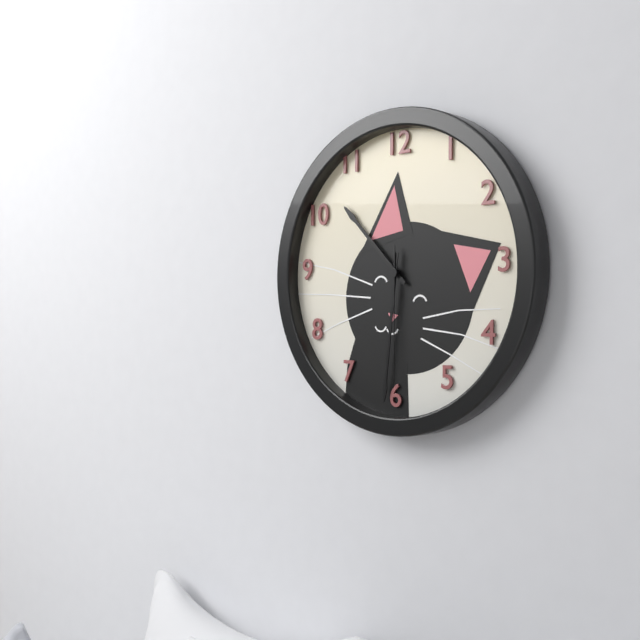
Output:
10.31.30
